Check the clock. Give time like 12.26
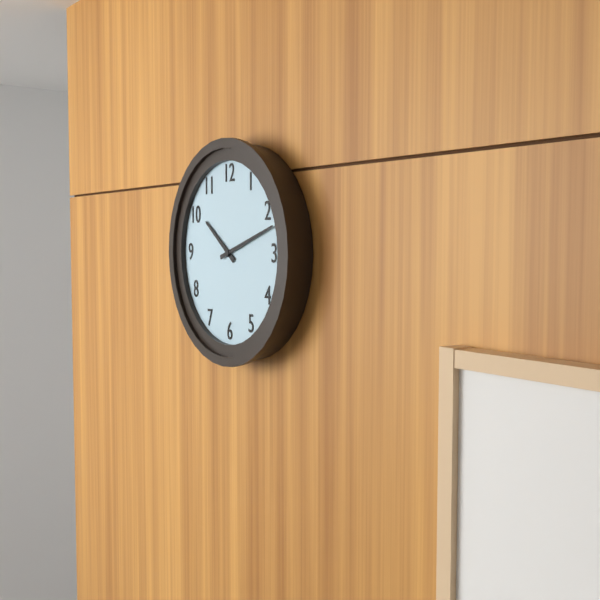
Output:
10.12
